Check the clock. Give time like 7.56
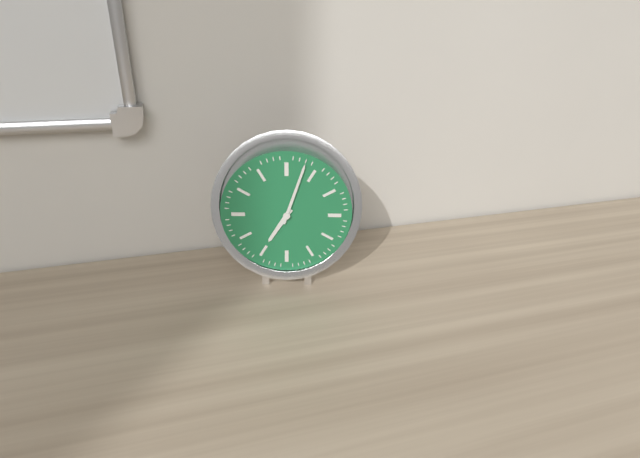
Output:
7.03
